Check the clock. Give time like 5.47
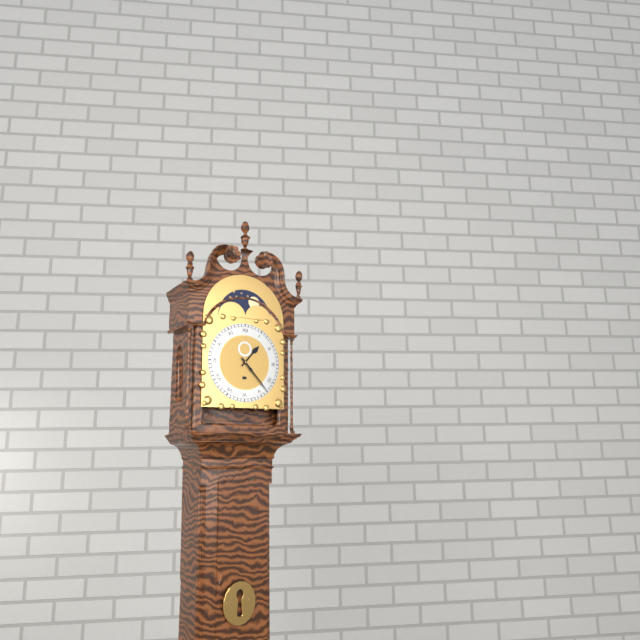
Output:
1.23
